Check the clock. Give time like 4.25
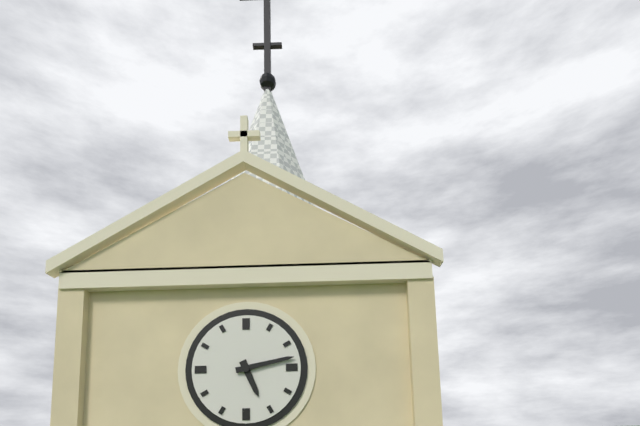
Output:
5.13
